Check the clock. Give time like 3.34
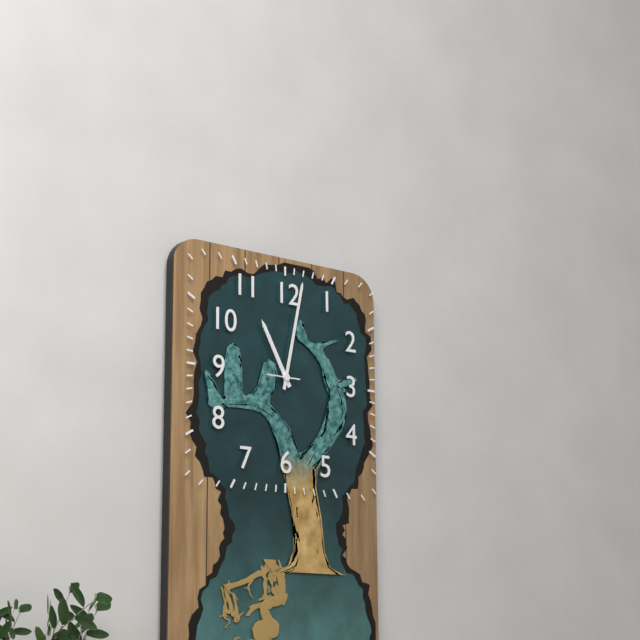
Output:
11.02
